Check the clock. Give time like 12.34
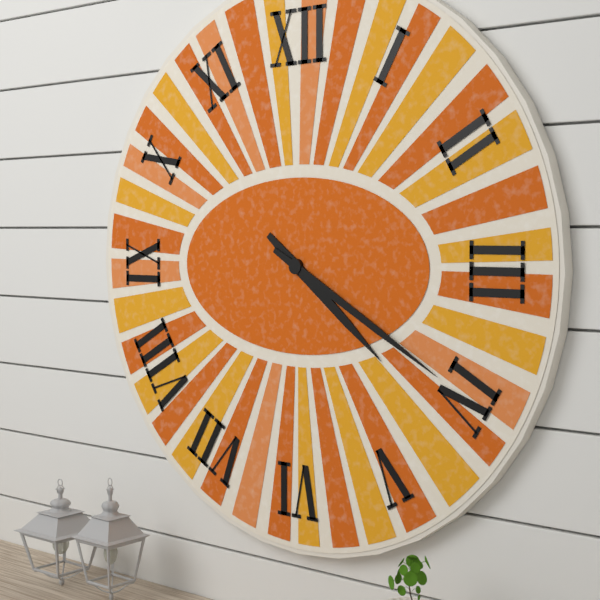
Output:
4.20
